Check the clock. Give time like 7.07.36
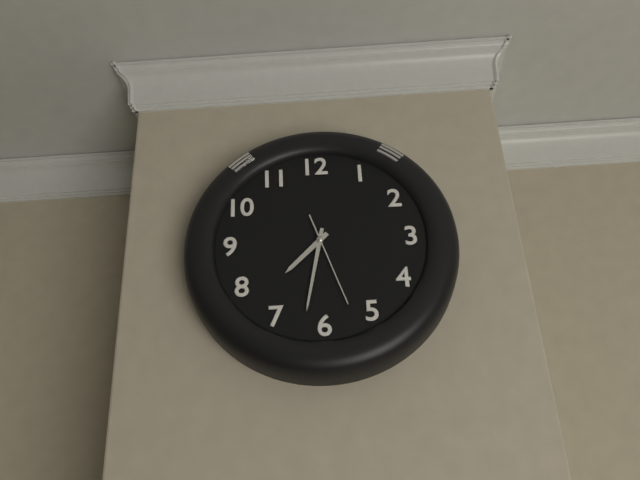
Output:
7.32.27
